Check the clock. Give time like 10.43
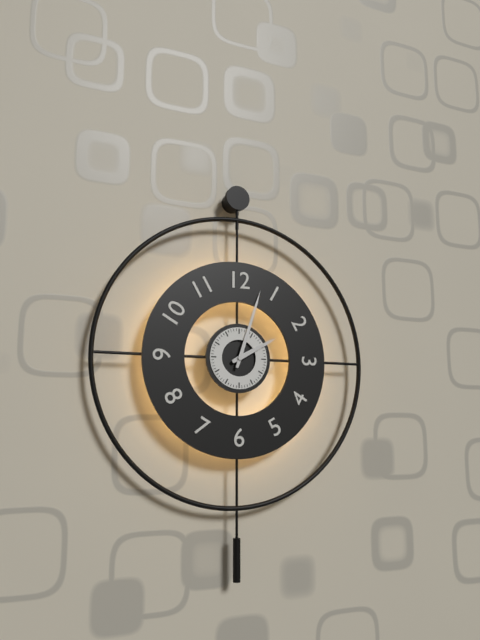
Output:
2.03
